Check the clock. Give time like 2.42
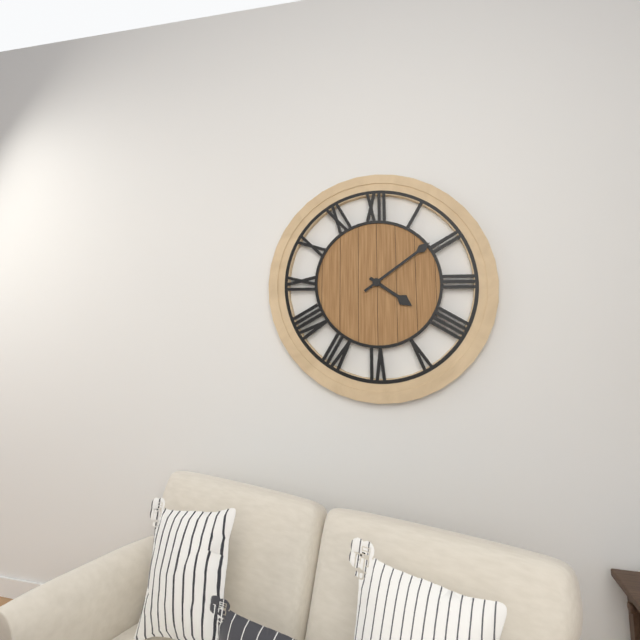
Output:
4.09
